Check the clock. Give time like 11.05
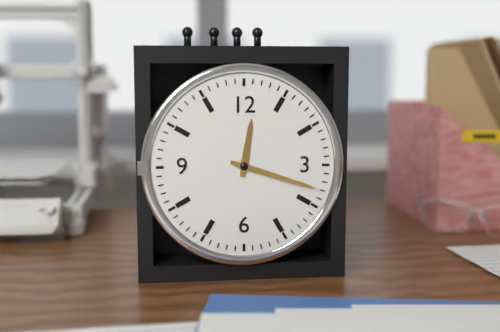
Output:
12.18
